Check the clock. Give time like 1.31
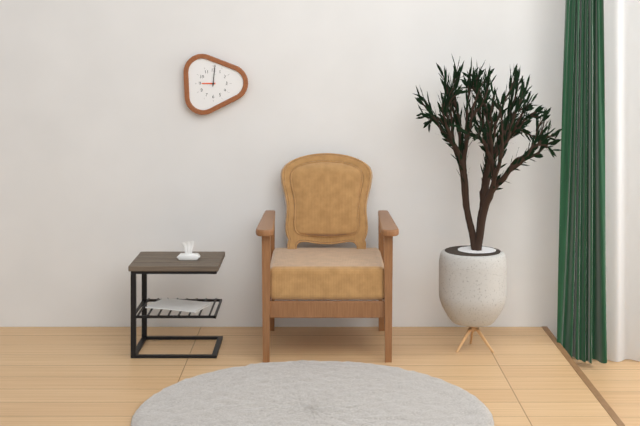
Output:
9.01
